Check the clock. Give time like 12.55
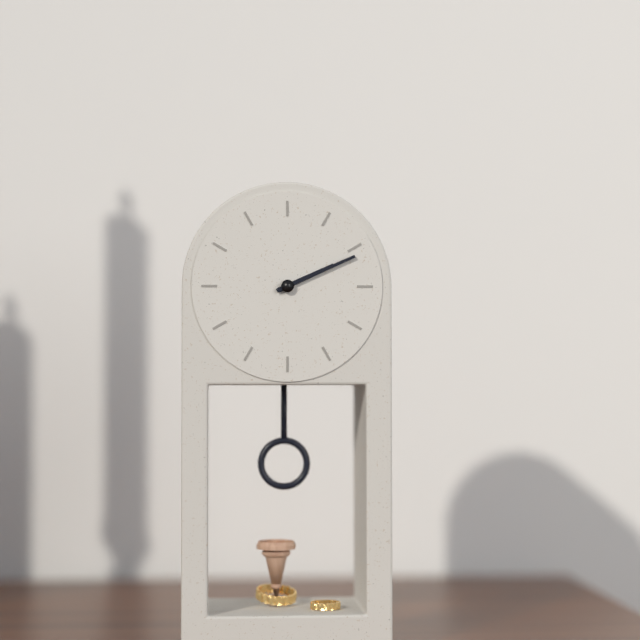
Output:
2.11
